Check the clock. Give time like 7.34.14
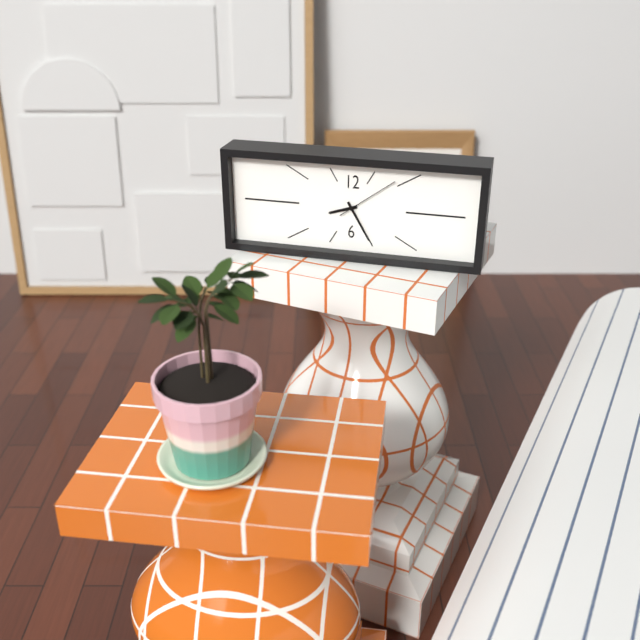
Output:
8.25.09
